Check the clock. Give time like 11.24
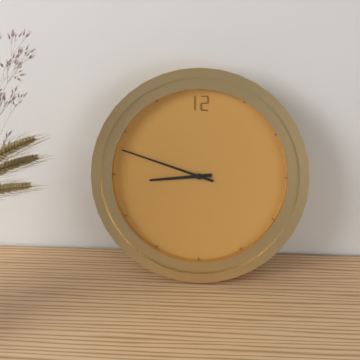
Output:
8.48
